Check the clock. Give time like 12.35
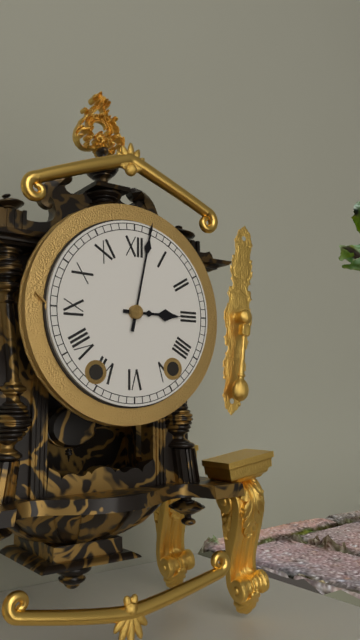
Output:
3.02
